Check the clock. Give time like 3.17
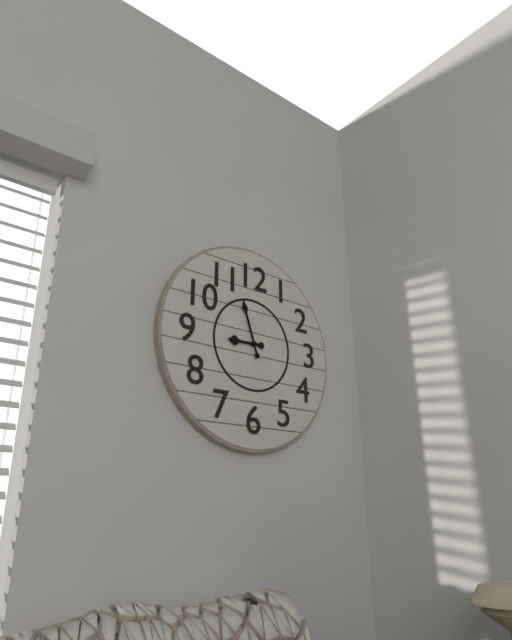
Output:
8.57
